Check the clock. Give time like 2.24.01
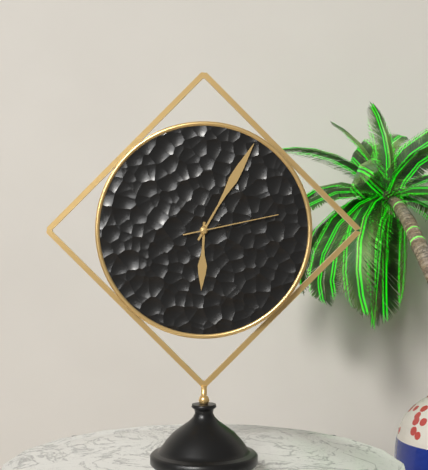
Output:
6.05.13
